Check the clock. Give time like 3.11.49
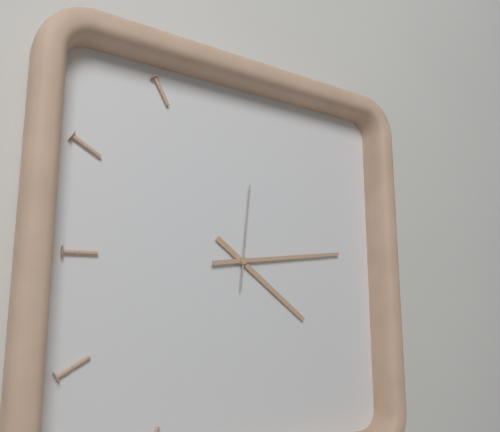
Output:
4.14.01
